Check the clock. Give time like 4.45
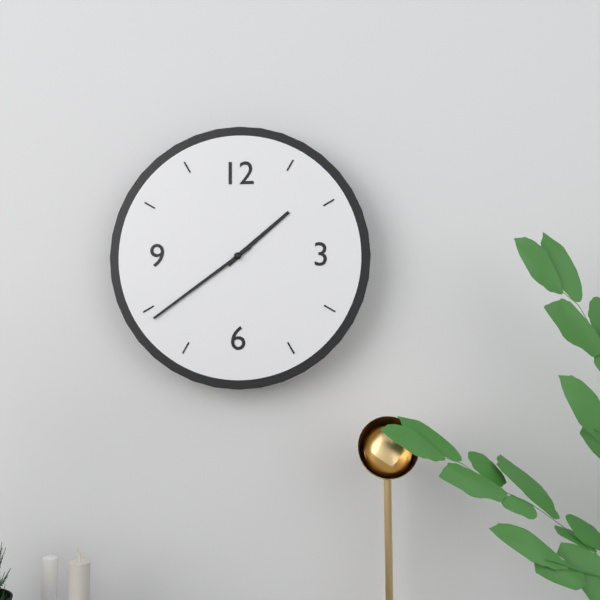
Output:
1.39
